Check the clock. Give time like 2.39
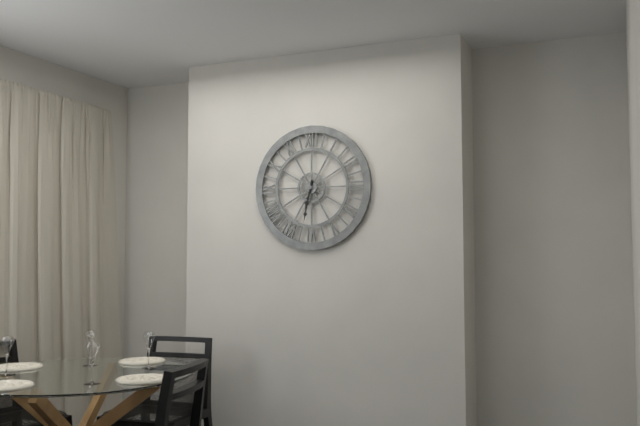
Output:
6.32
